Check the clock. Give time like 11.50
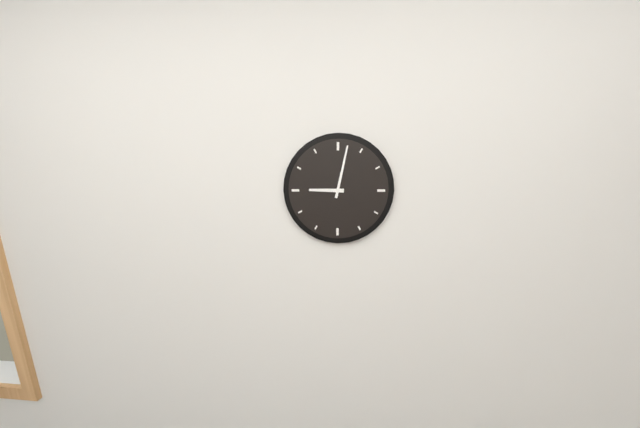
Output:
9.02
